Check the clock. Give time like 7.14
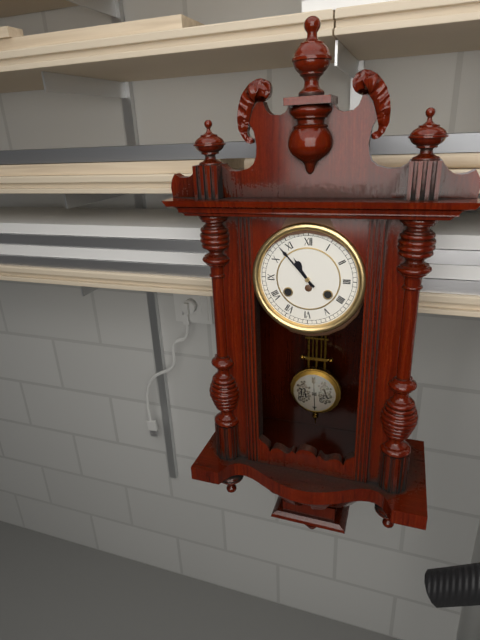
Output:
10.53
